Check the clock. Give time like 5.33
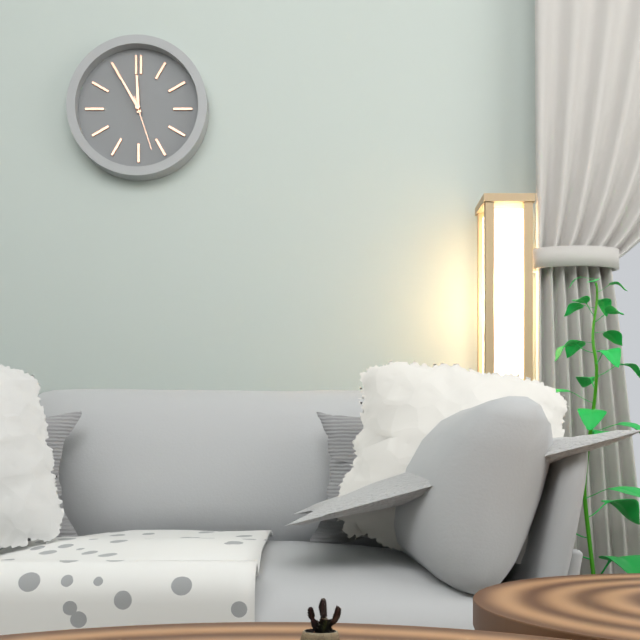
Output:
11.55
